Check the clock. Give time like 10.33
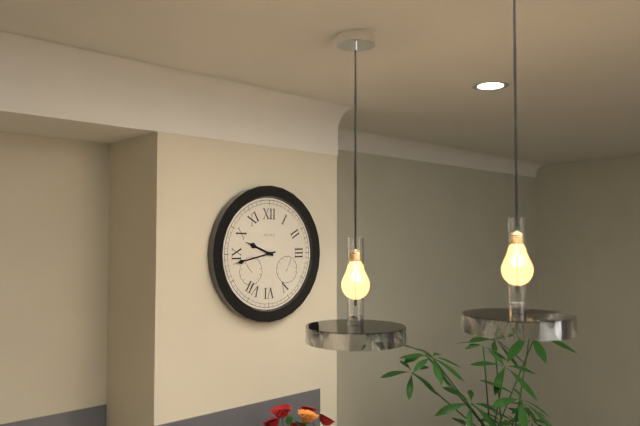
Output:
9.43
